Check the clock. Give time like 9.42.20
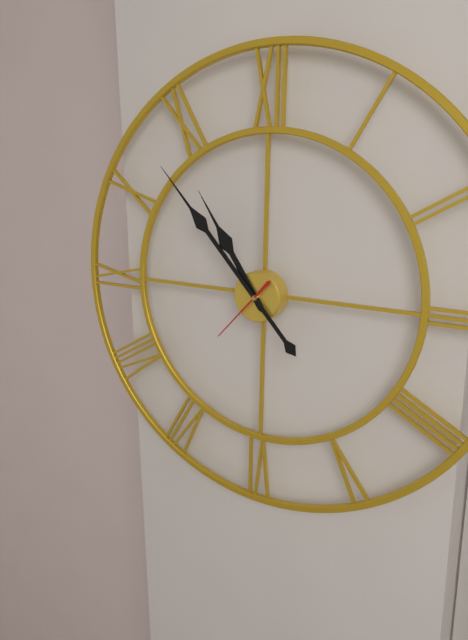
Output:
10.53.37
